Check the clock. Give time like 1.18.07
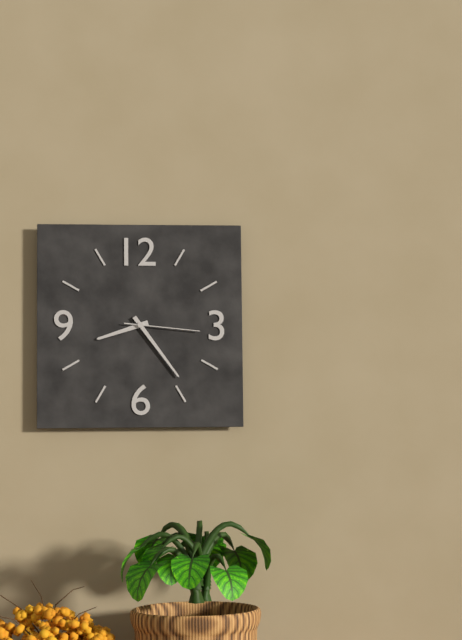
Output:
8.24.16
